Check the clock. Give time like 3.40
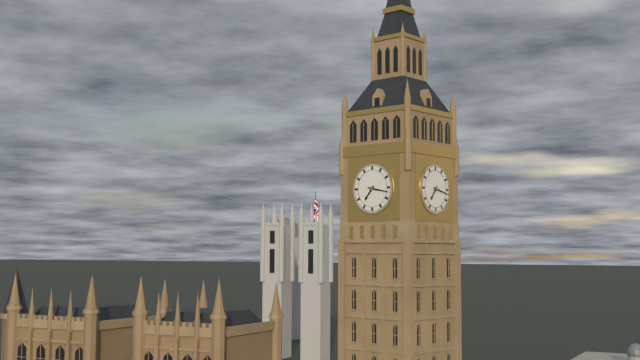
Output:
7.17
